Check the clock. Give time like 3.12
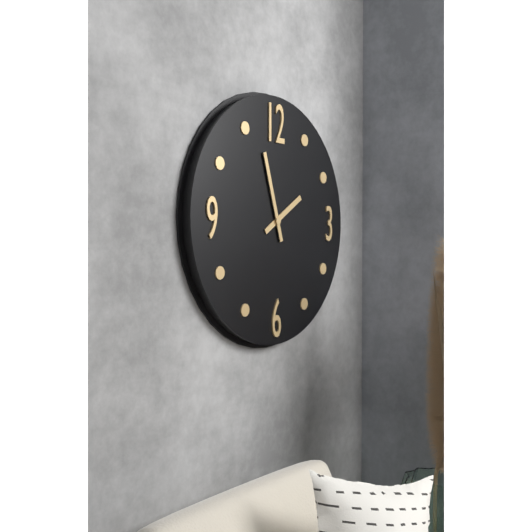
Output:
1.57
